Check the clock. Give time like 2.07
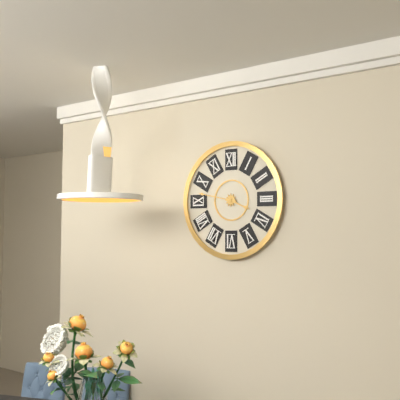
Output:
3.47
